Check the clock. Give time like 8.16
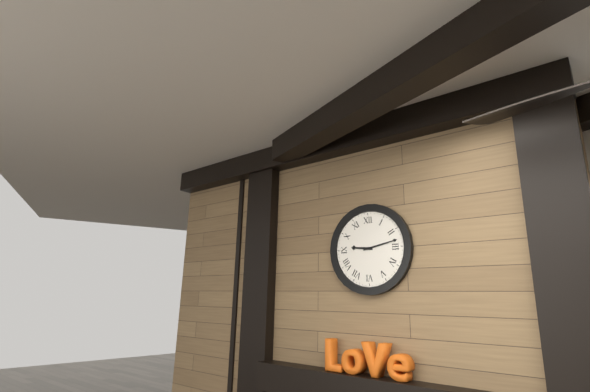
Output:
9.13
